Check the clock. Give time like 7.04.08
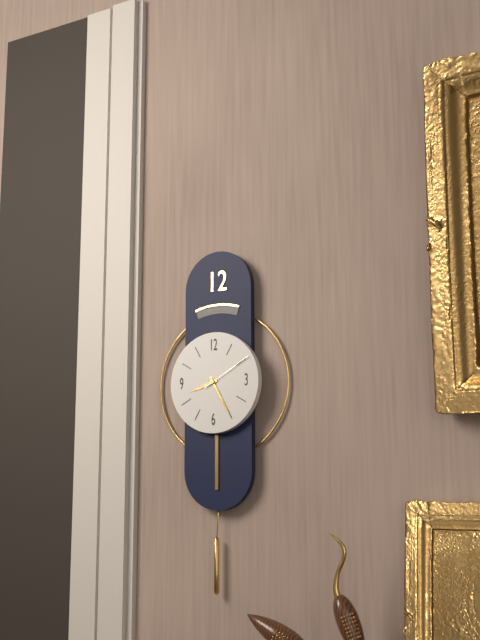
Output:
8.25.10
